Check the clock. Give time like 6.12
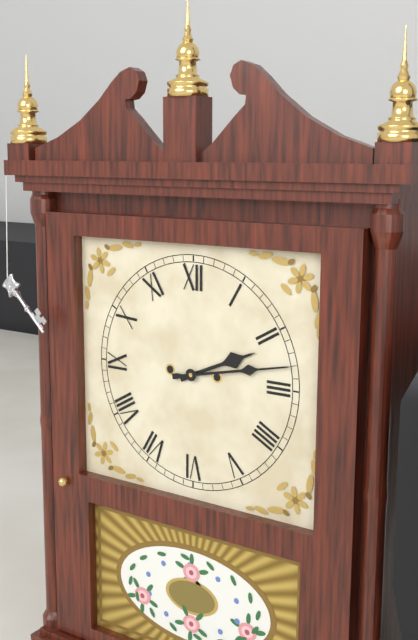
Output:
2.13
